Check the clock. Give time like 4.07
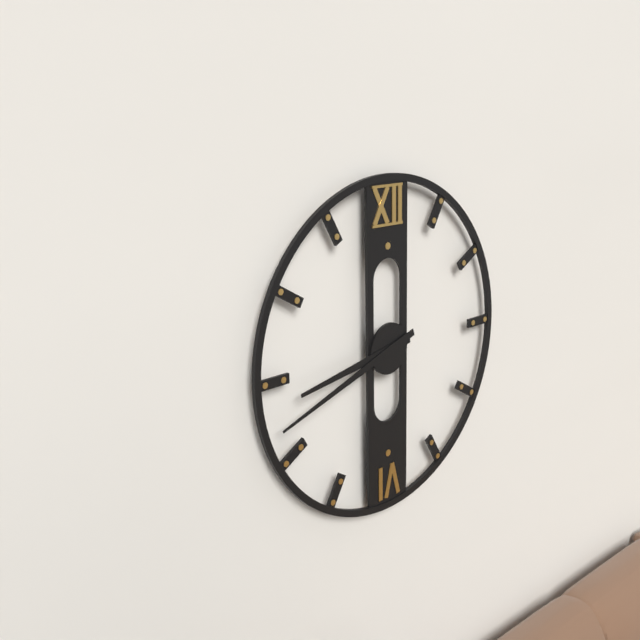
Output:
8.42
